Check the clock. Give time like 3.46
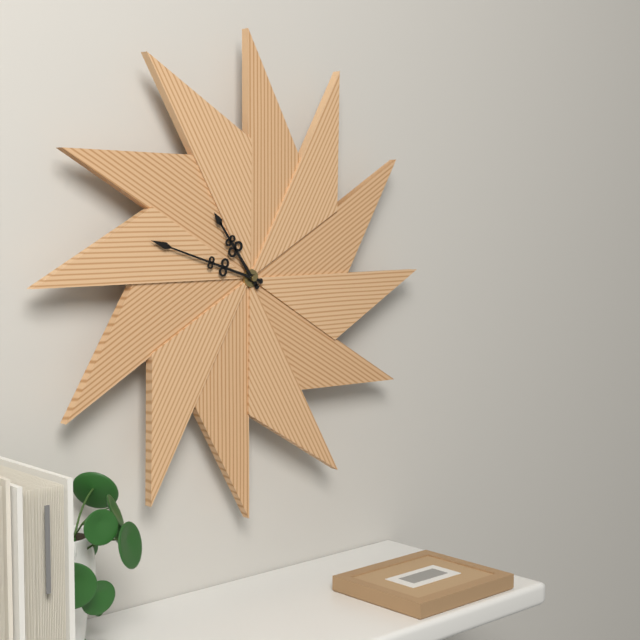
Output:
10.48
